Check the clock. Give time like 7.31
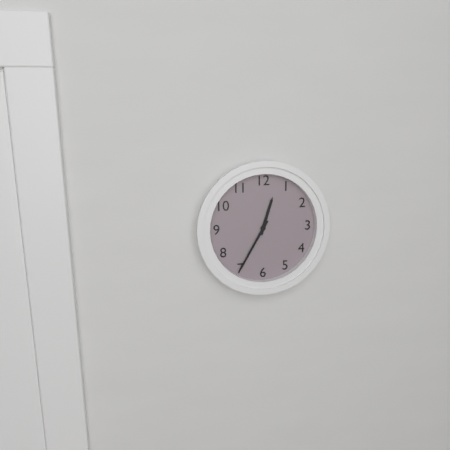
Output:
12.35
